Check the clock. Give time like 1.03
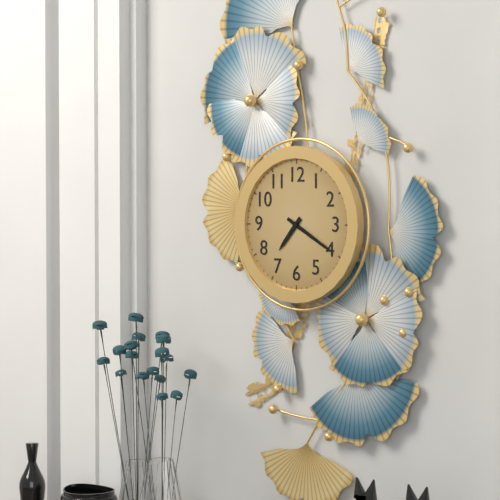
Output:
7.20
